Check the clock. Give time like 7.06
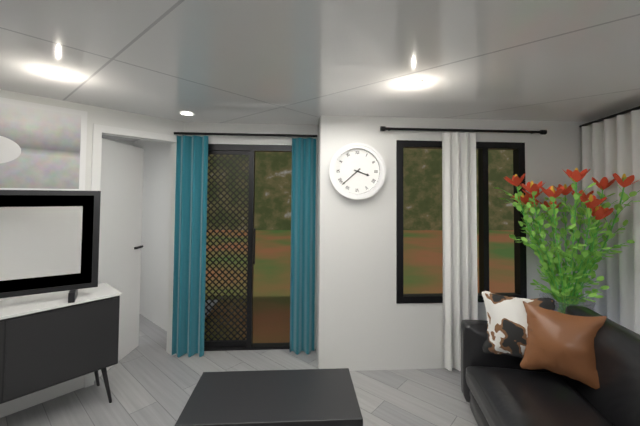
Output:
3.38
